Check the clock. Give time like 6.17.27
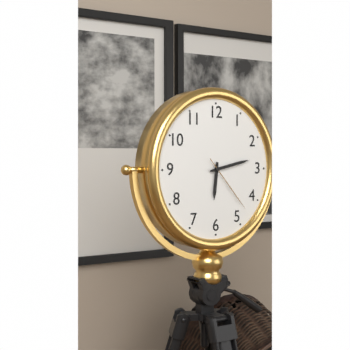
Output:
6.13.23
